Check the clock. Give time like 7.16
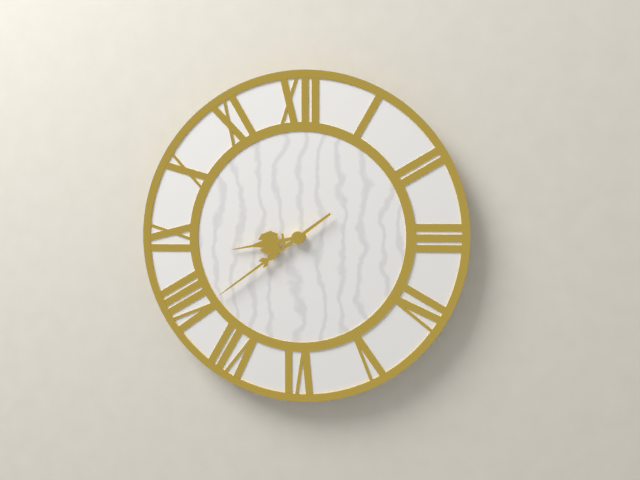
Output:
8.39
